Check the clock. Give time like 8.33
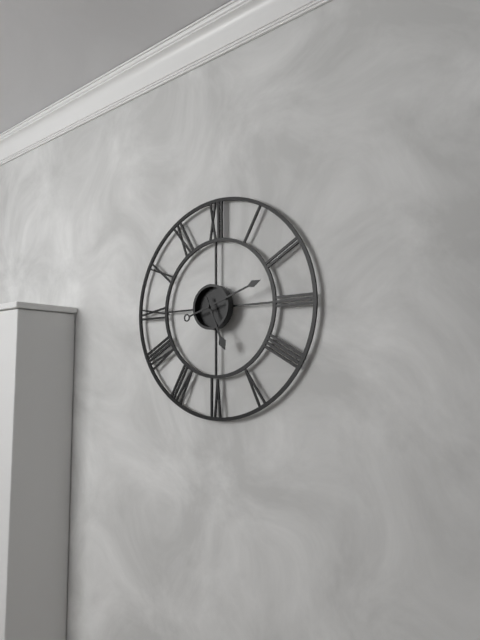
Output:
5.12
